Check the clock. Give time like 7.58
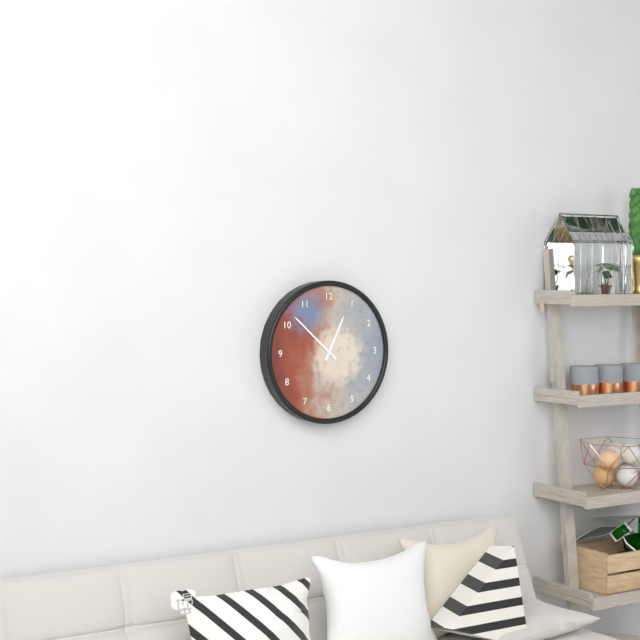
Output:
12.52
